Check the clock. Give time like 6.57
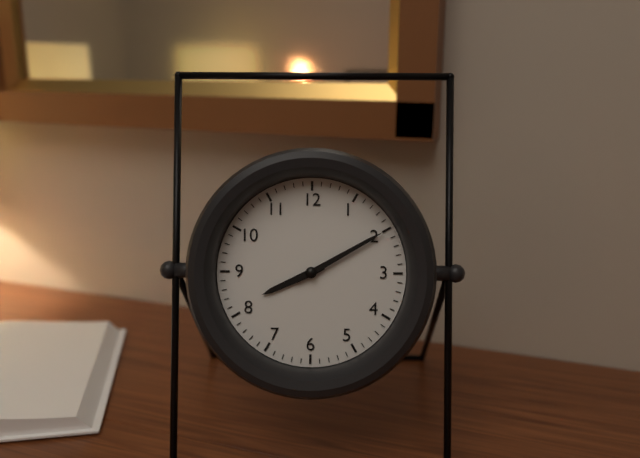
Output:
8.10
